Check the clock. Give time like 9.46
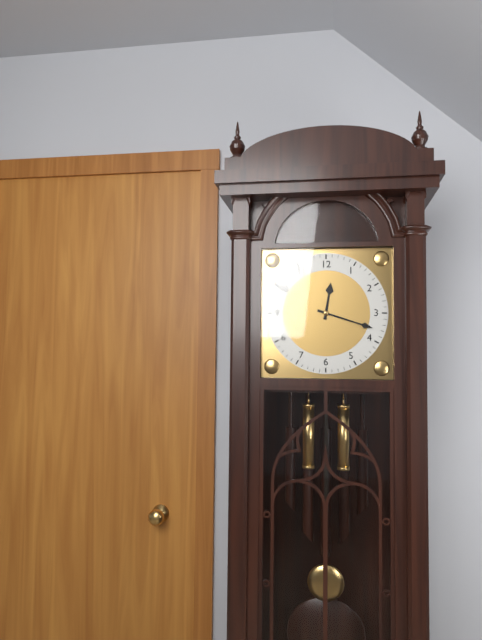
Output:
12.18
